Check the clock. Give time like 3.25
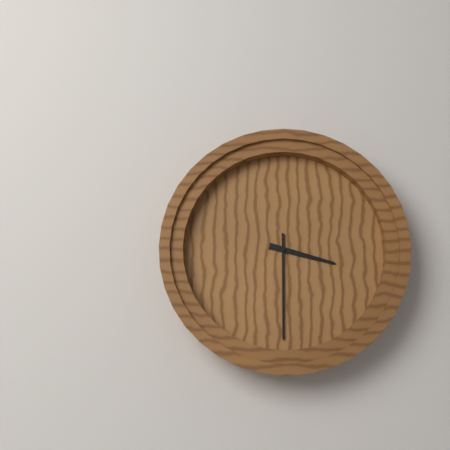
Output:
3.30
